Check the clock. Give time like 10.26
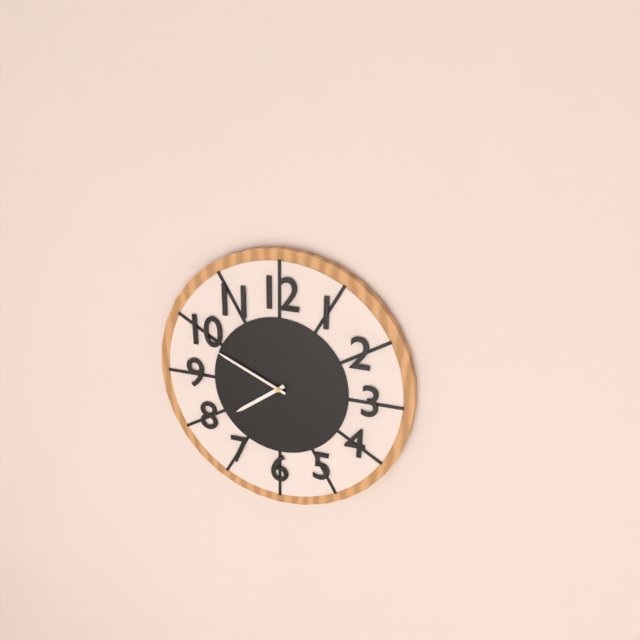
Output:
7.49
